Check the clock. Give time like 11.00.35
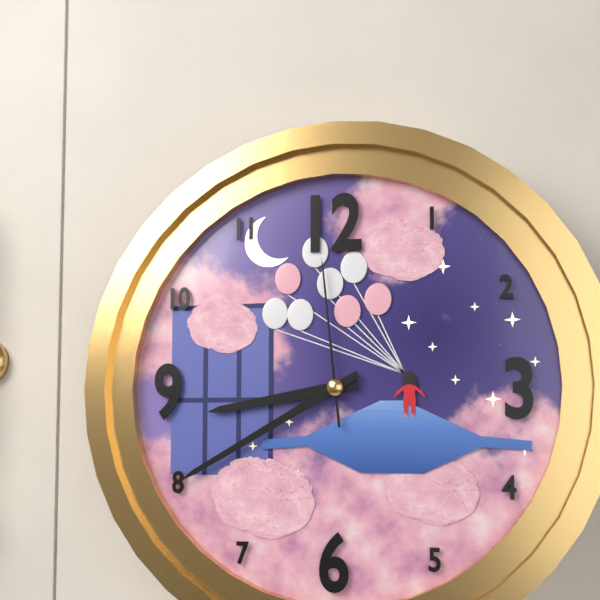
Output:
8.40.59
